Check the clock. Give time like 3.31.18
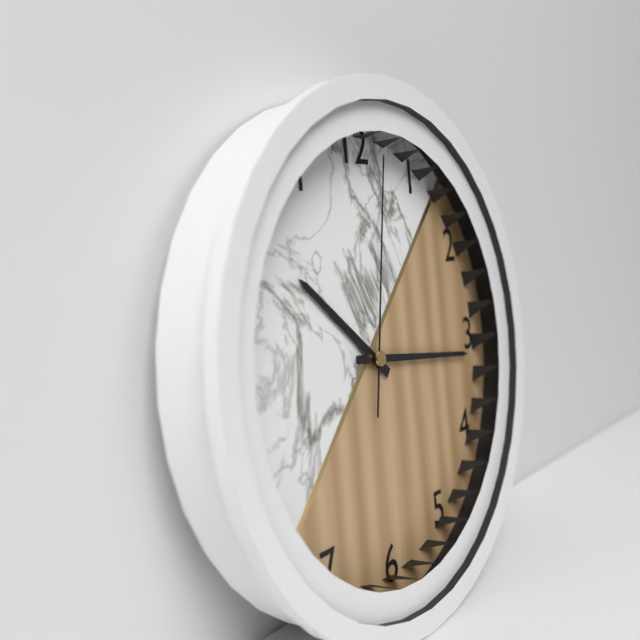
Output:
10.16.02
